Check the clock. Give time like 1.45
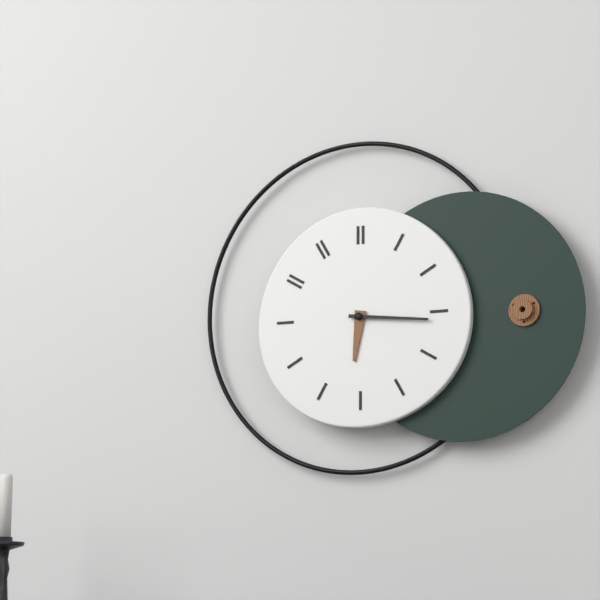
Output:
6.16
